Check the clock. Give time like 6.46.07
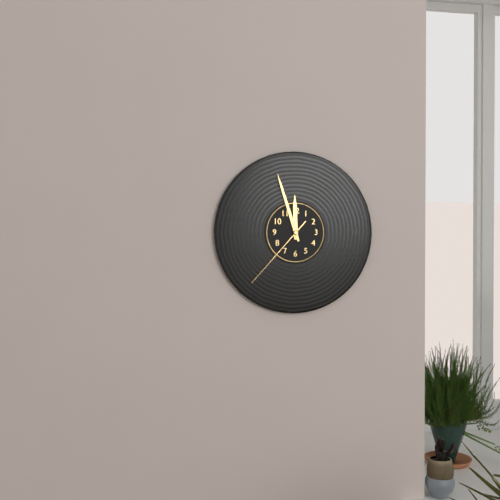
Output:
11.57.37
